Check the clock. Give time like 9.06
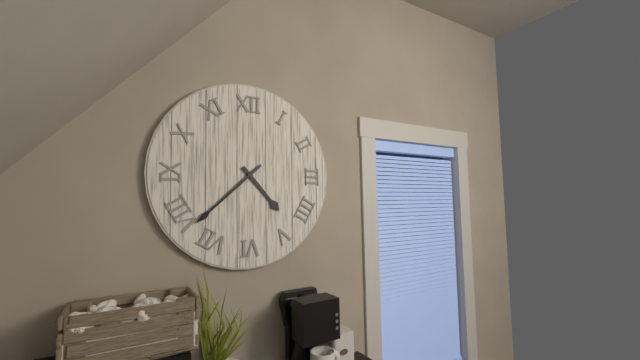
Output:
4.38
